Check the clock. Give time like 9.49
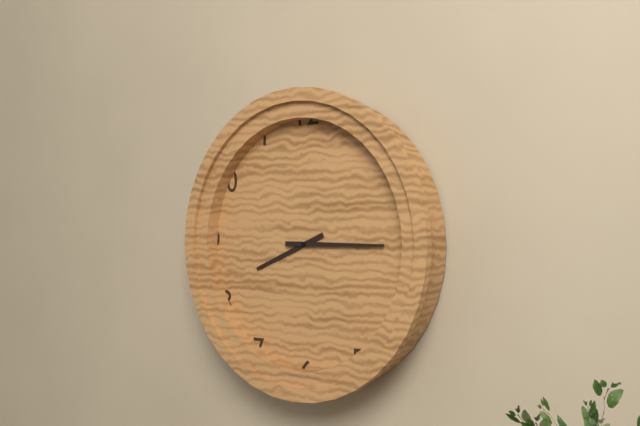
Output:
8.15
